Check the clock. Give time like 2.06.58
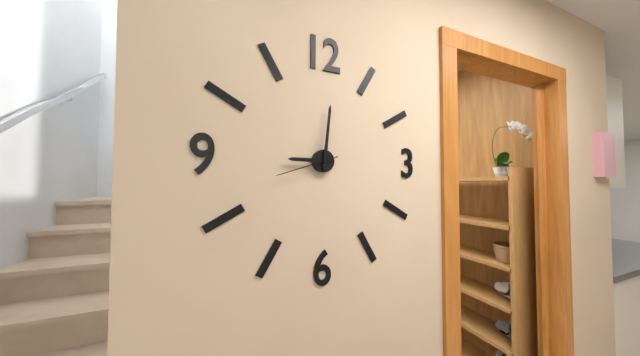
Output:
9.01.42
